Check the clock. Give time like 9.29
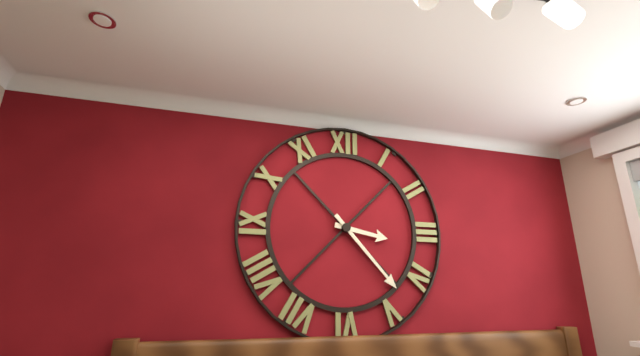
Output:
3.23
